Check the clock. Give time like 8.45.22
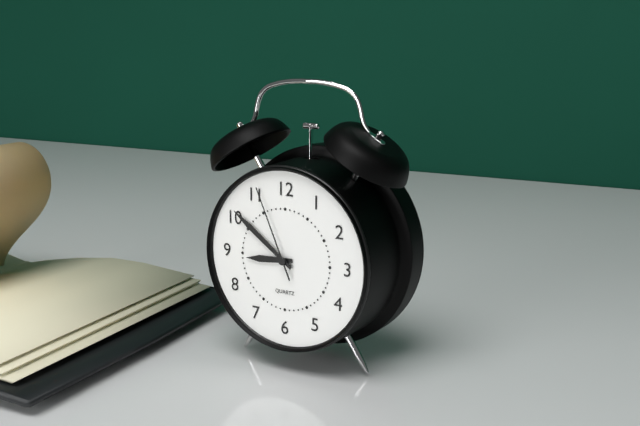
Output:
8.51.56
